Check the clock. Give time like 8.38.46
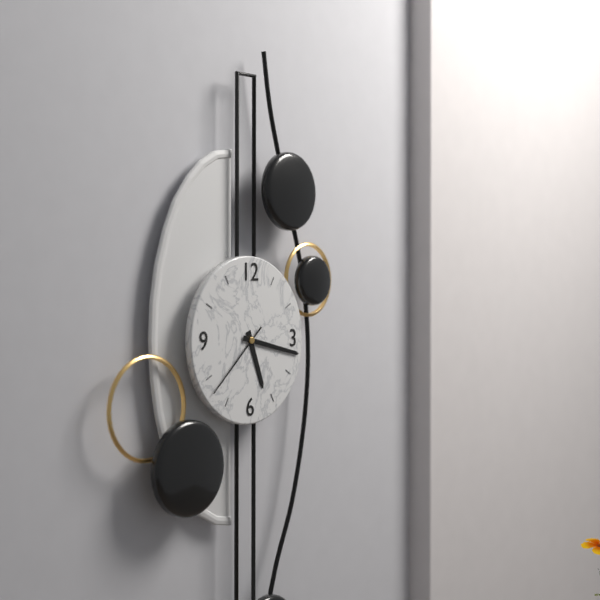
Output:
5.17.38
